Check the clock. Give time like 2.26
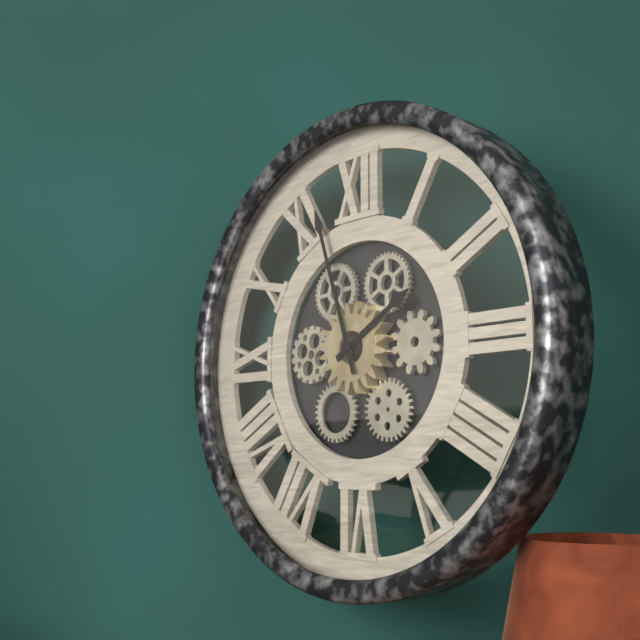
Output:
1.57
